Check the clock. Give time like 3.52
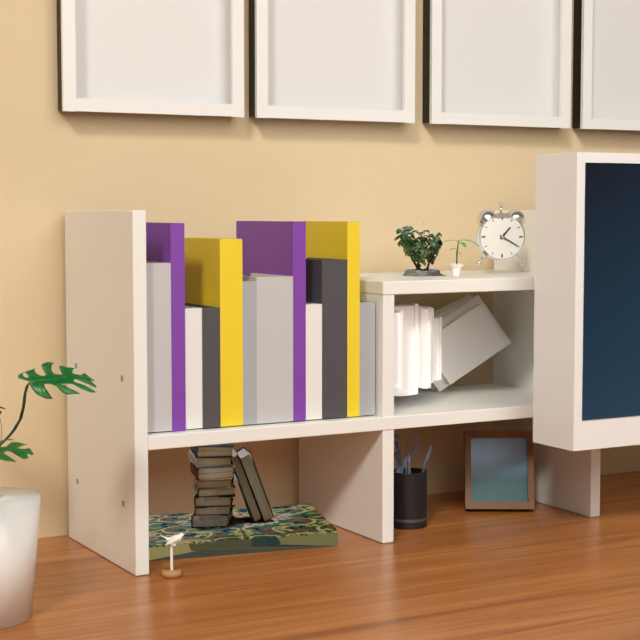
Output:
1.20
